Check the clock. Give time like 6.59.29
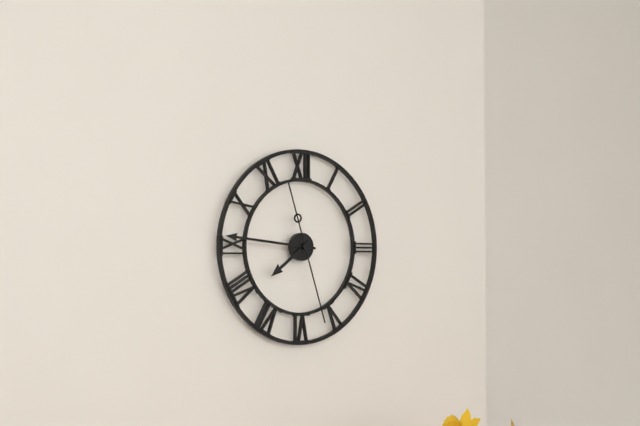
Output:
7.46.27
